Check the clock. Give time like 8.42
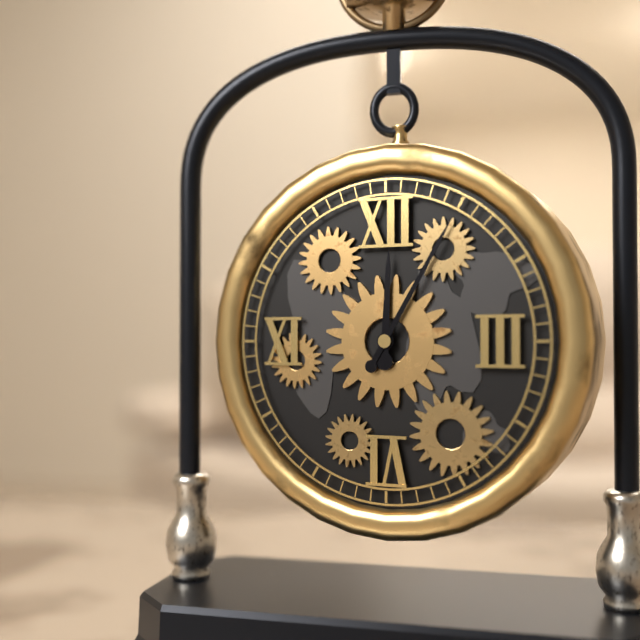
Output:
12.05
